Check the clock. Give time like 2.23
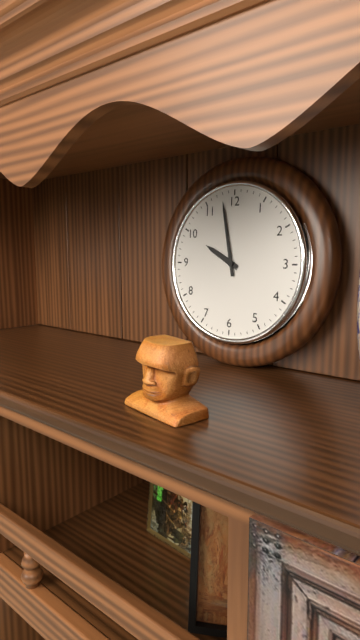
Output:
9.58
